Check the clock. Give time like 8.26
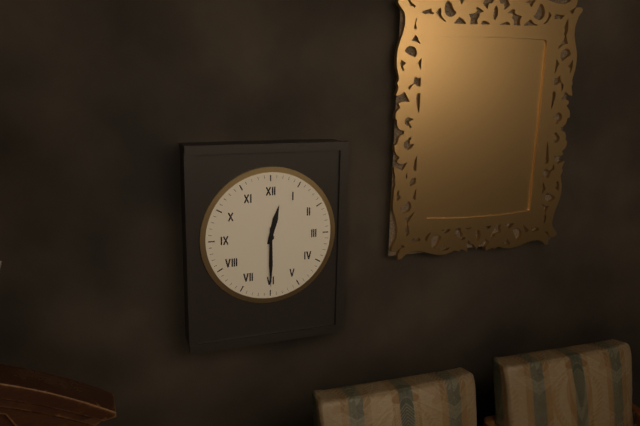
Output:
12.30
